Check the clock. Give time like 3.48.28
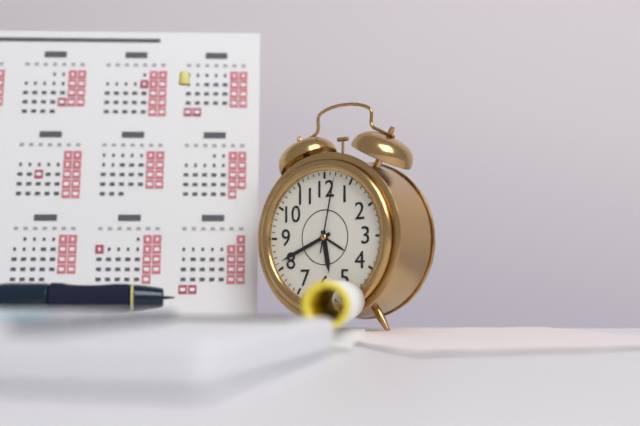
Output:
5.41.02
